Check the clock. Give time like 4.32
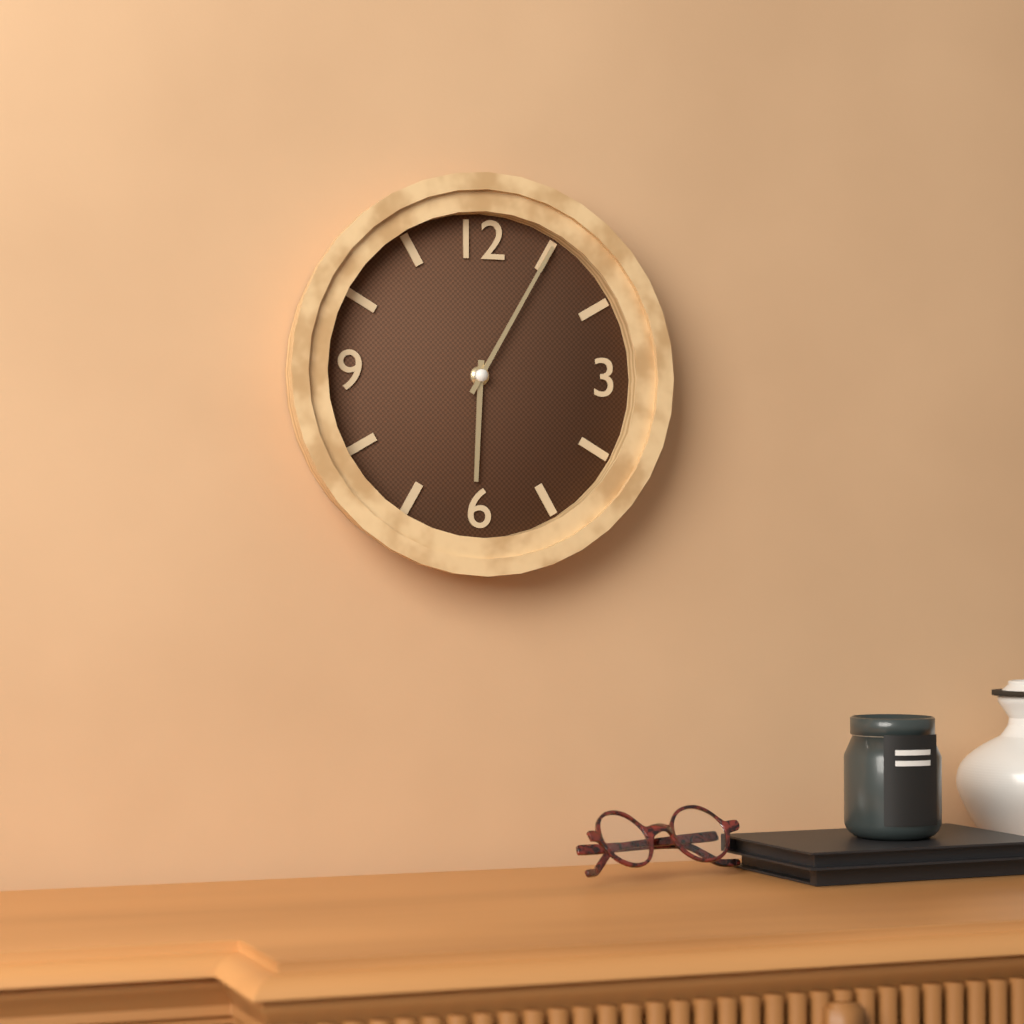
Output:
6.05
